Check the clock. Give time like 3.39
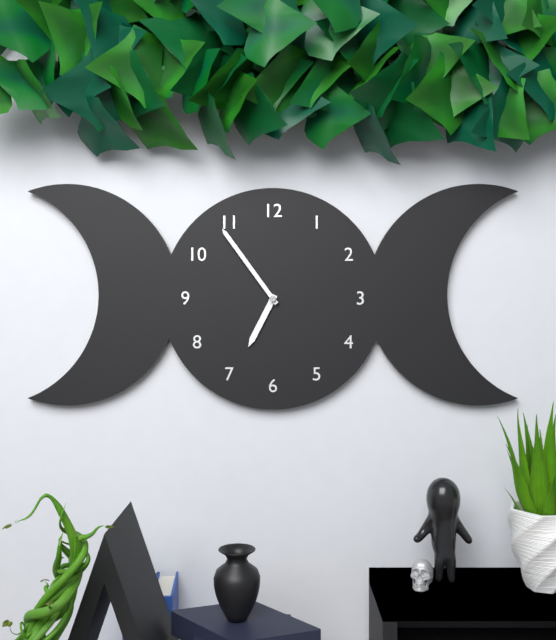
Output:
6.54
